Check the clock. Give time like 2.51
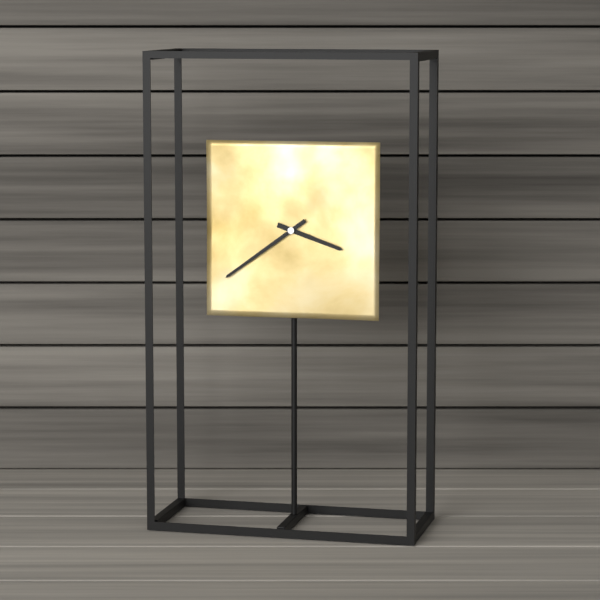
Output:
3.39
